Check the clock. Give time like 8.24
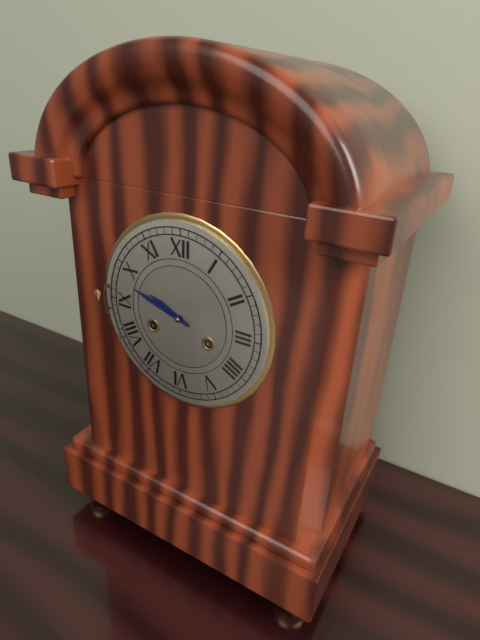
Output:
9.48
